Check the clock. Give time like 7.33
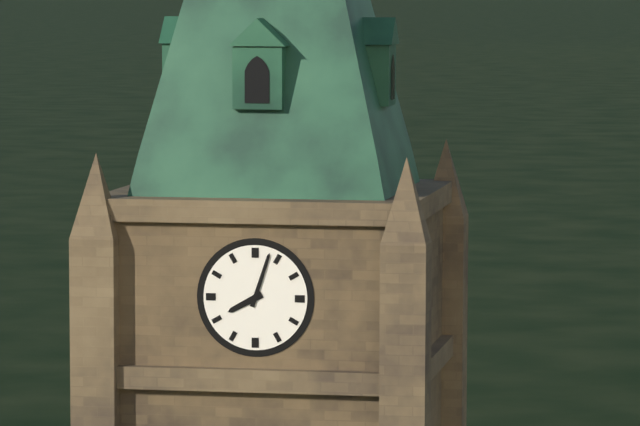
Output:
8.03
